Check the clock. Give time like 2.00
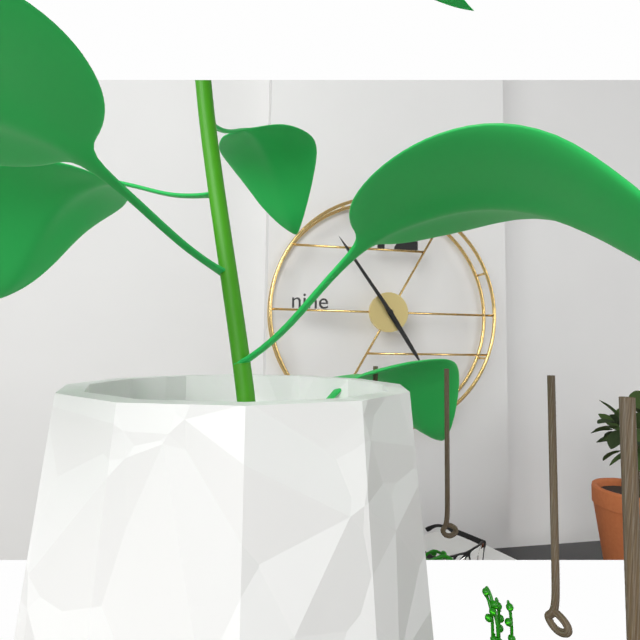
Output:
4.54
